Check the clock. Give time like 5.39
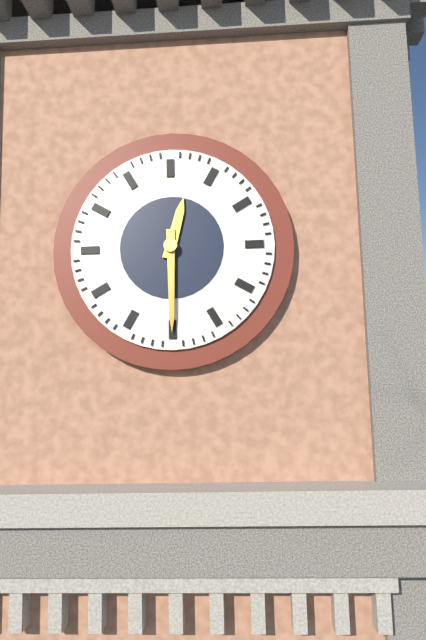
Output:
12.30
